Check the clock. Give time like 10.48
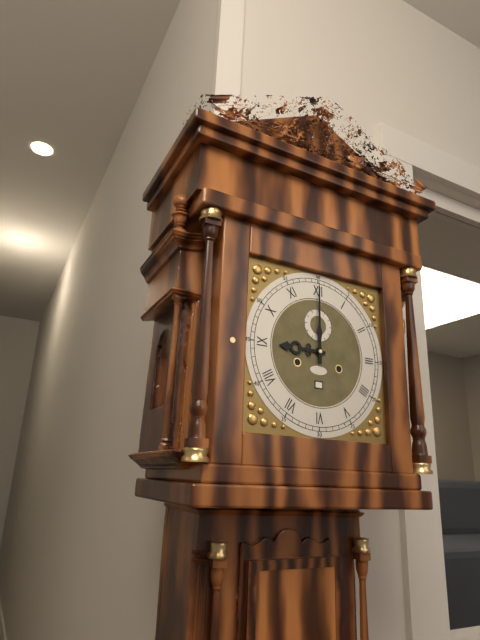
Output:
9.00
